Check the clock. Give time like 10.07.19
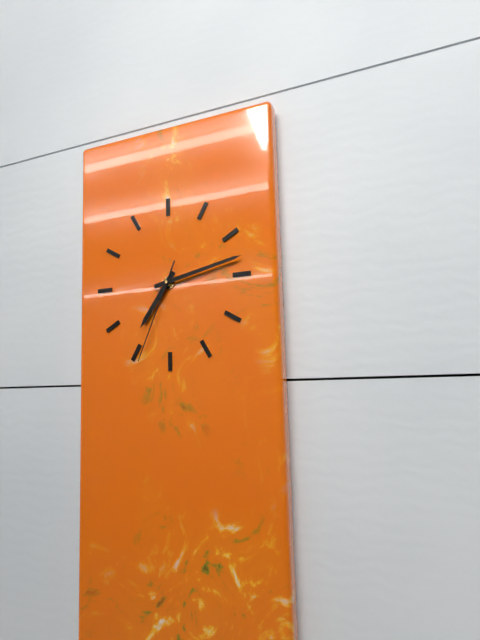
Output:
7.13.34
